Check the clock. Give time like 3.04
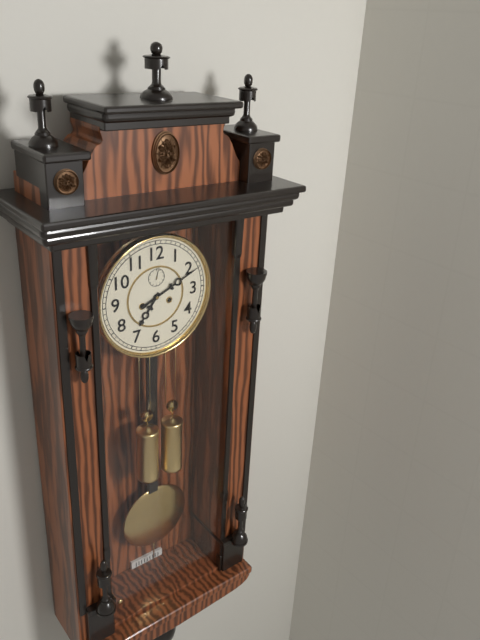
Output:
7.11
